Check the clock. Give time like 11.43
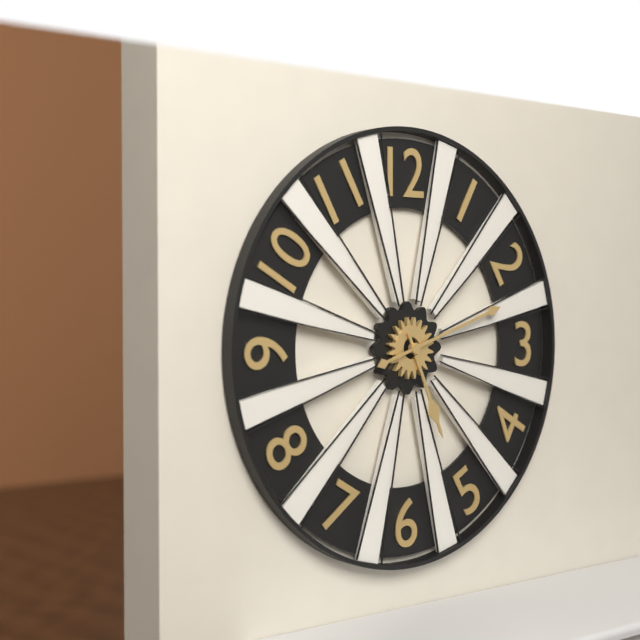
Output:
5.12
